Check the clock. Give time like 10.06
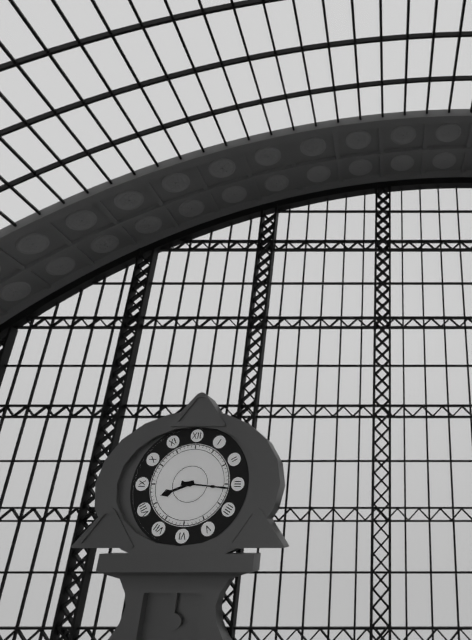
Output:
8.16
